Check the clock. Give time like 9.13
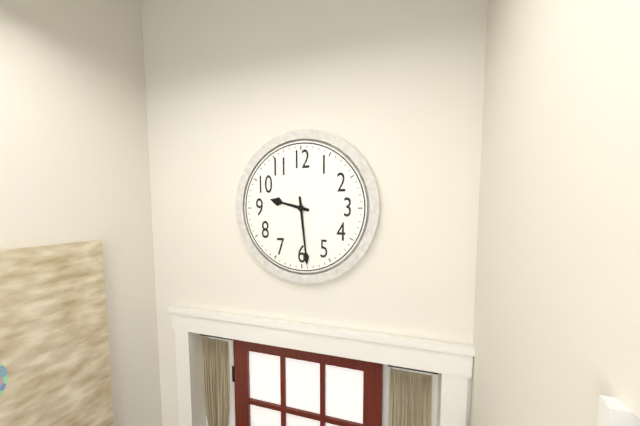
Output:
9.29
